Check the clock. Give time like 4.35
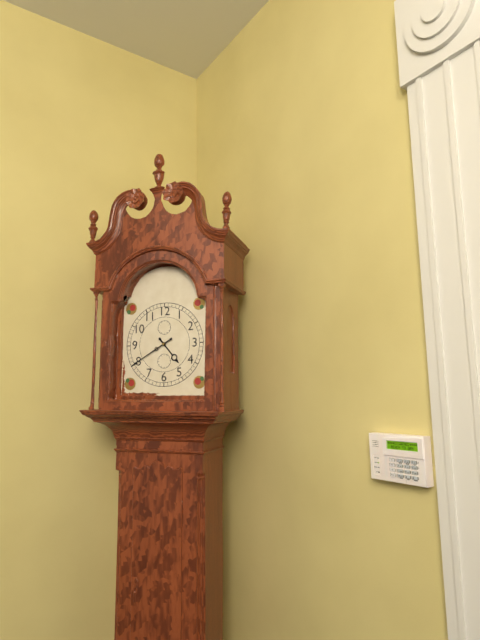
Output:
4.40
